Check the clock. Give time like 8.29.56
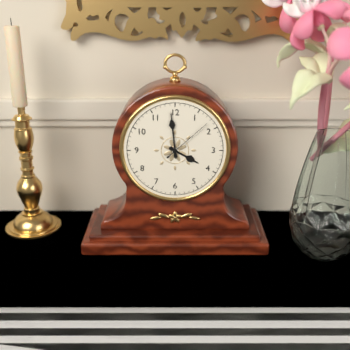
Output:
3.59.08
